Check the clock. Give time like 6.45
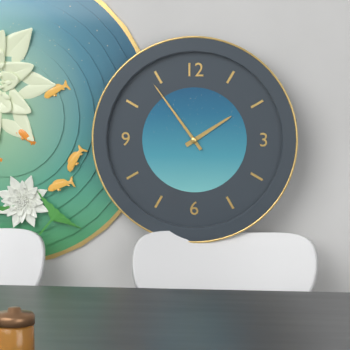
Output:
1.54
